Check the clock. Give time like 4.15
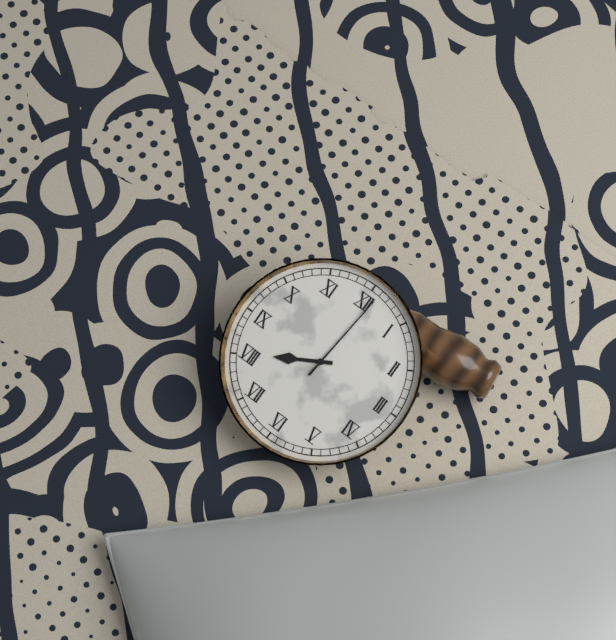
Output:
8.01
